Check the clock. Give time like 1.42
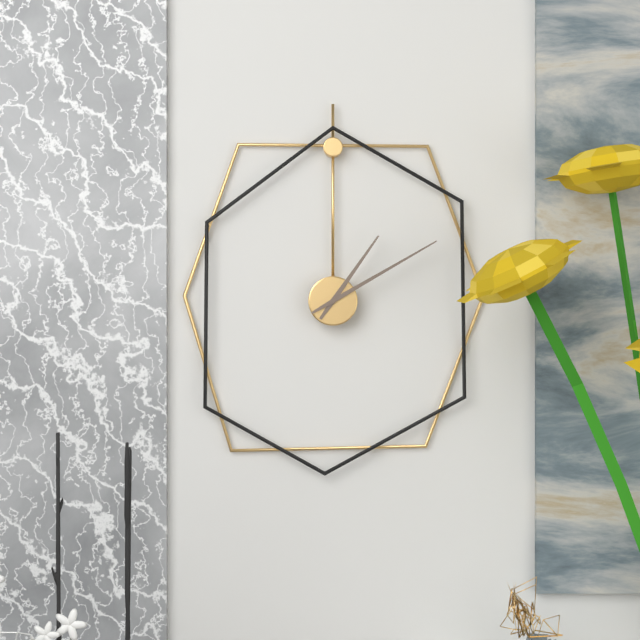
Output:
1.10
